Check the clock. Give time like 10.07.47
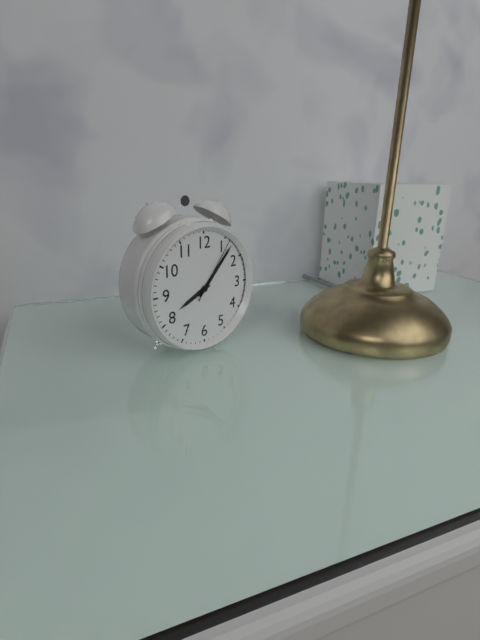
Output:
8.07.06
